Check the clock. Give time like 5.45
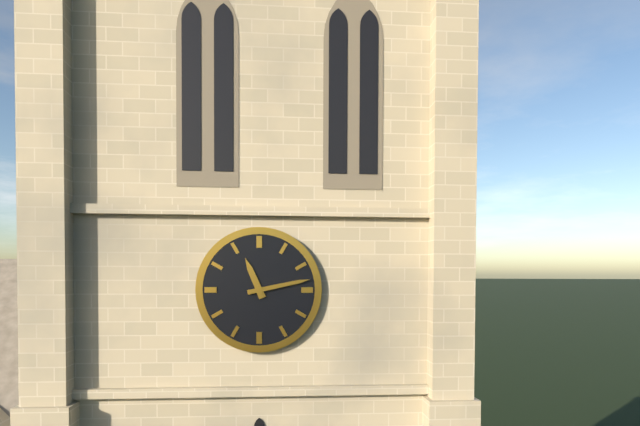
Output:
11.13
